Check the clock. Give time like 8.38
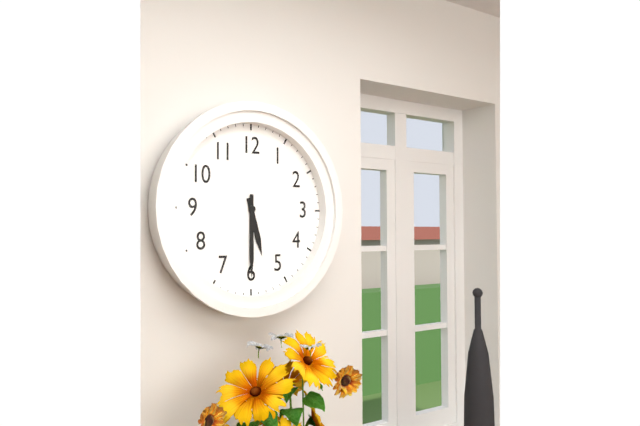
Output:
5.30
